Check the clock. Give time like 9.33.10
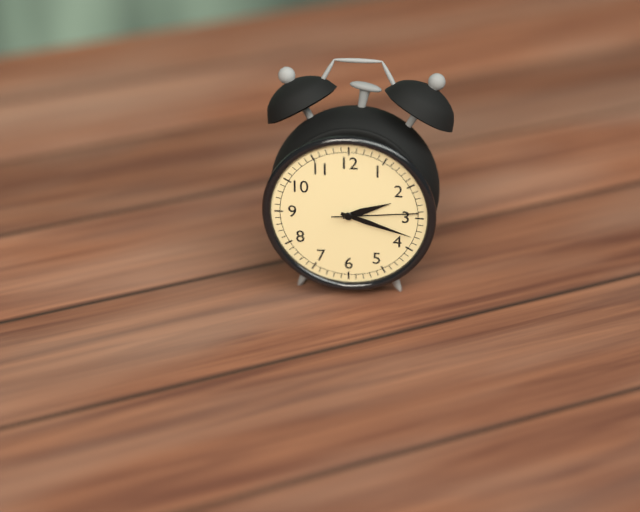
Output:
2.18.14
